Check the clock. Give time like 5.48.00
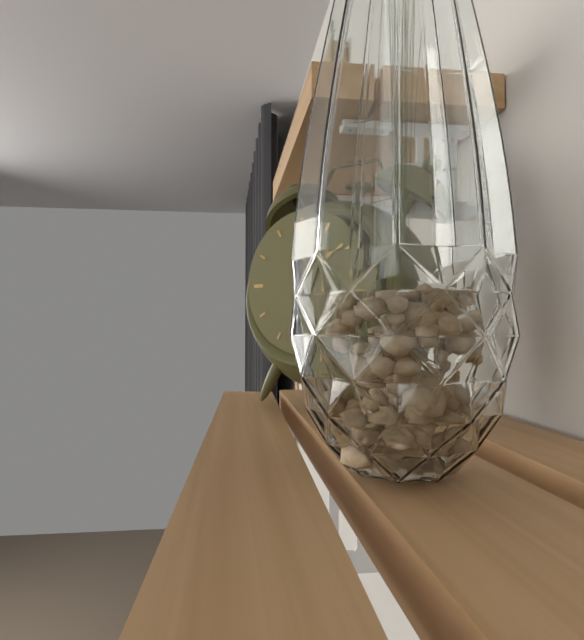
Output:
1.09.32
